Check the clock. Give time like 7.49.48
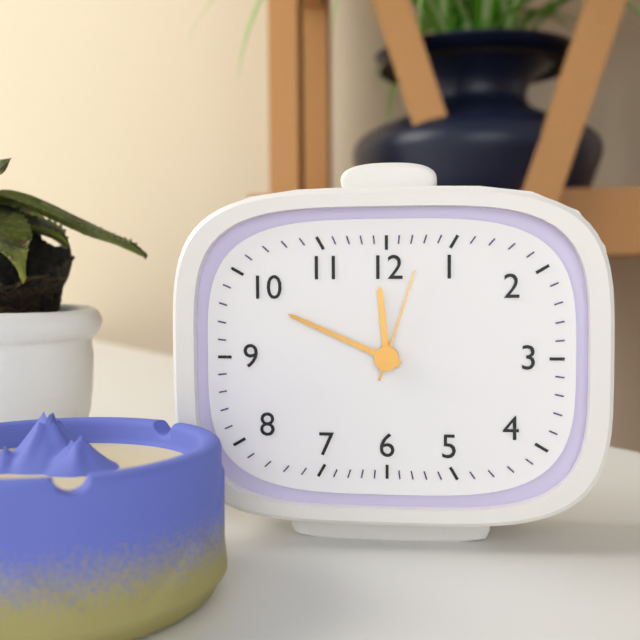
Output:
11.49.03
